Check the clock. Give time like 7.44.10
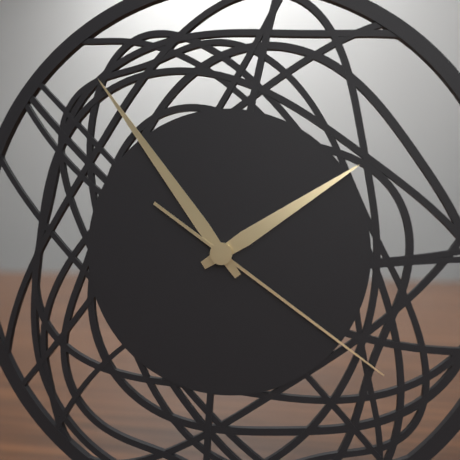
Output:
1.54.21
